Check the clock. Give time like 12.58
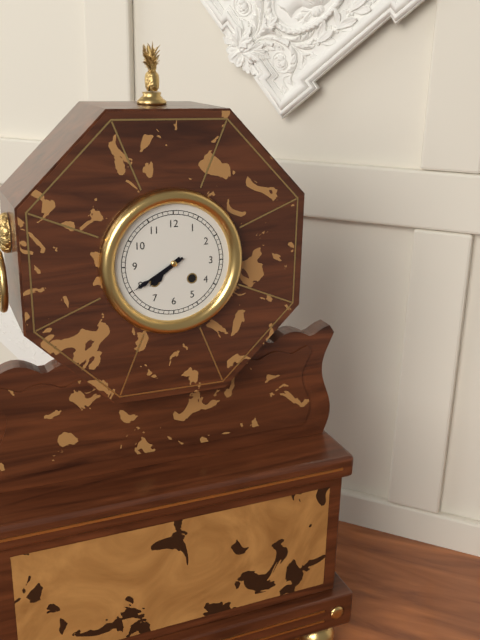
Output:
7.40
